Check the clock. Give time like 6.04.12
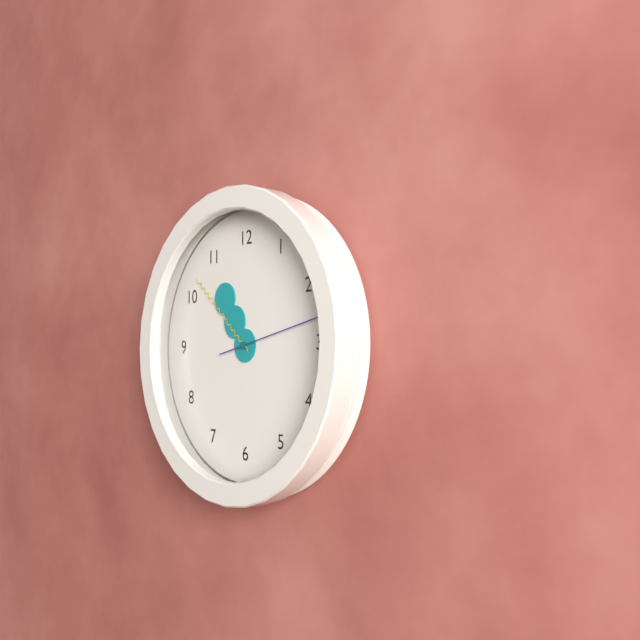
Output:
10.52.13
